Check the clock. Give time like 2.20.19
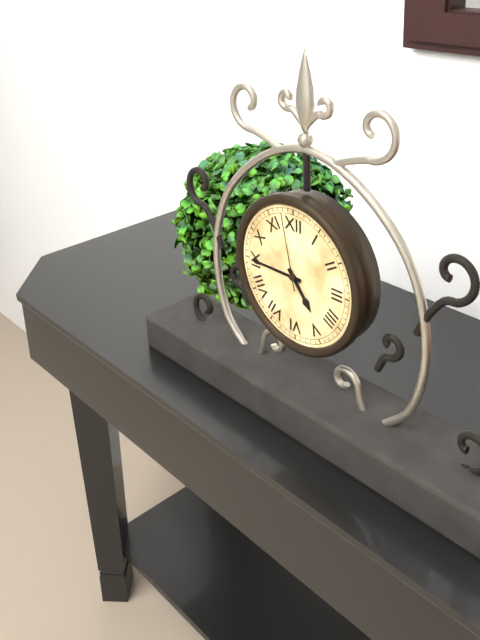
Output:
4.45.58
